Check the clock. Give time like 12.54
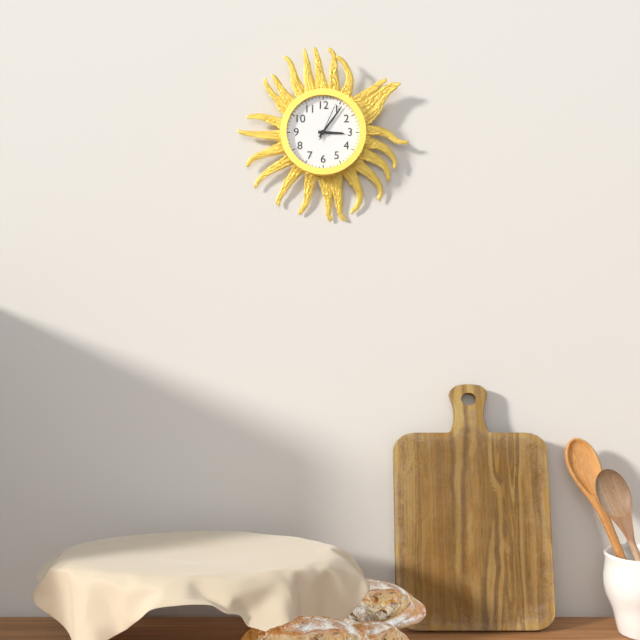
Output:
3.06
